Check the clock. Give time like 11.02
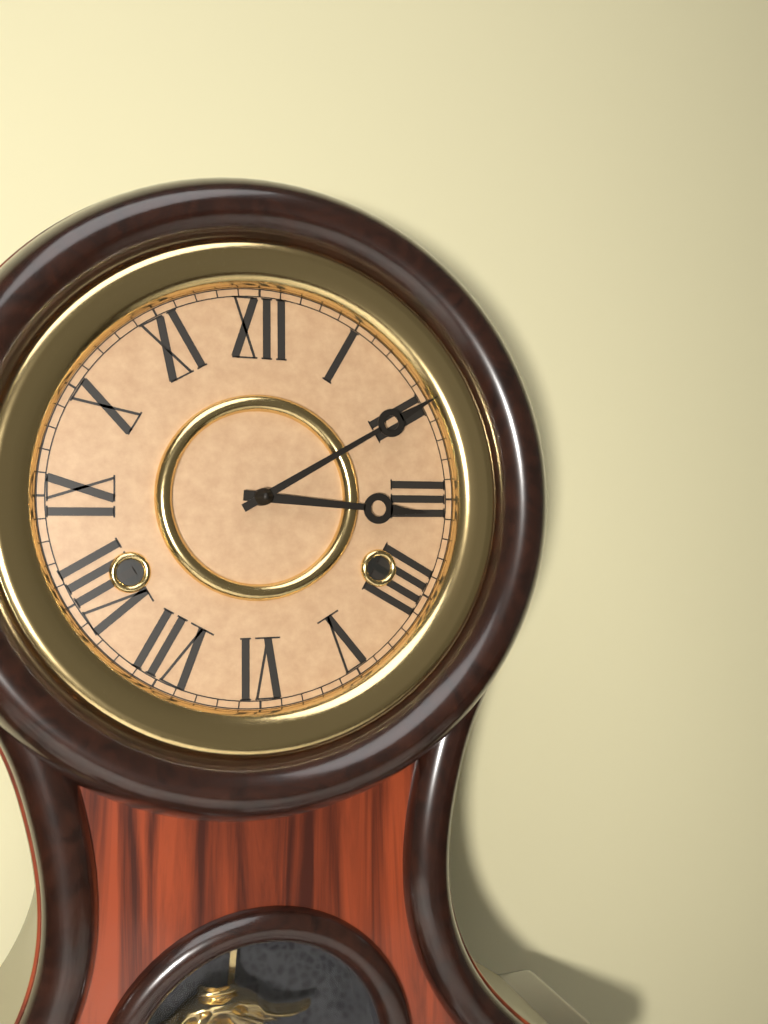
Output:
3.10
